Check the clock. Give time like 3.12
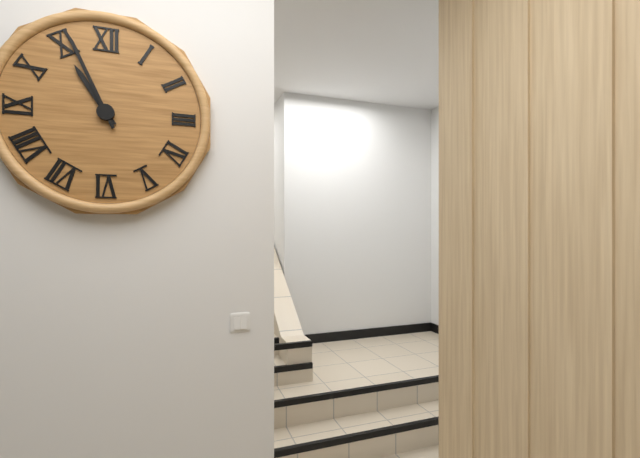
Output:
10.56
